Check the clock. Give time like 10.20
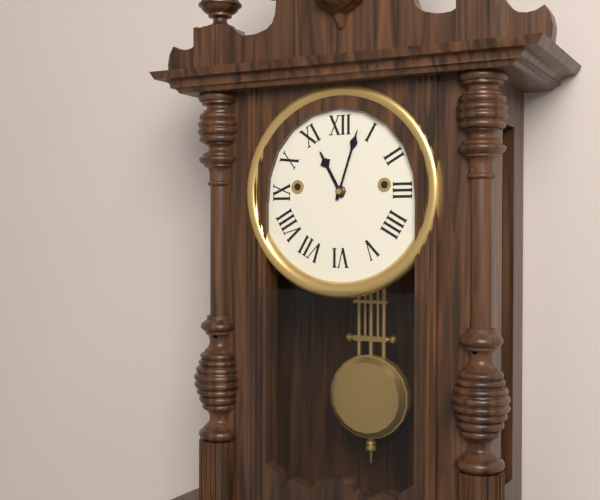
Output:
11.03
